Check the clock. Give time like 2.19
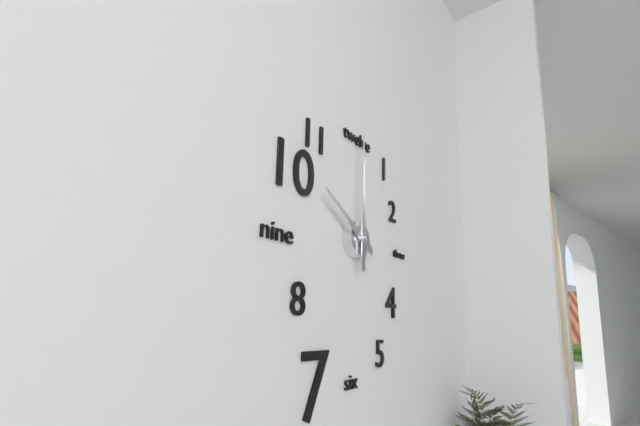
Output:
10.00
